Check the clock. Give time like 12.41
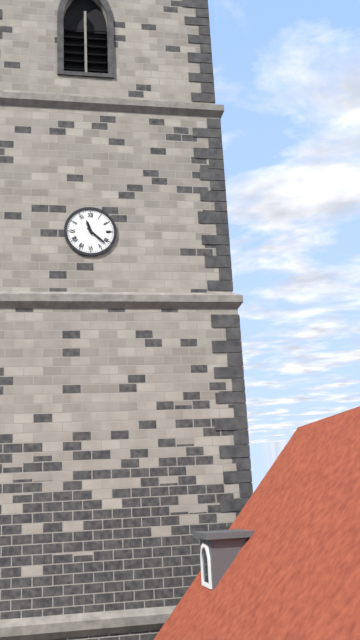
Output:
11.22
